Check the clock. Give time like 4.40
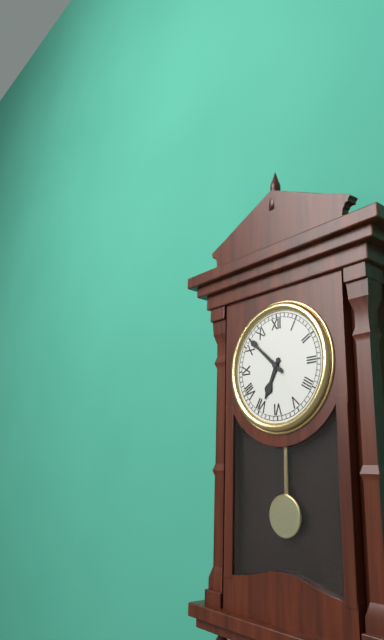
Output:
6.52
